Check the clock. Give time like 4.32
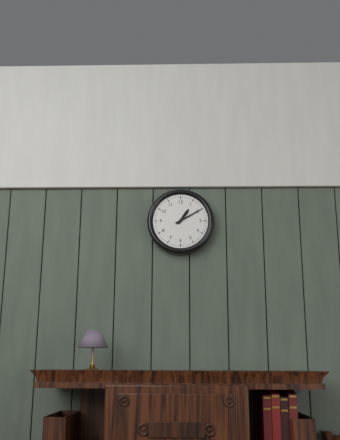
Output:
1.10
